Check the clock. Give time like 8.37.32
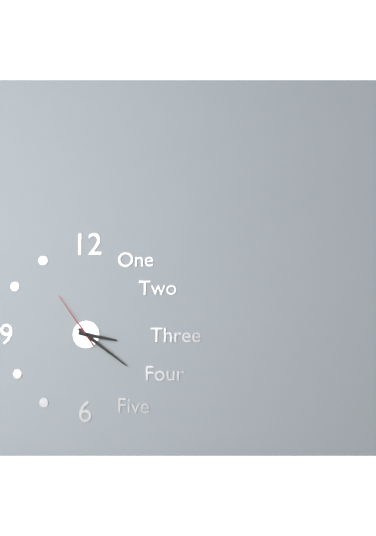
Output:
3.21.54
